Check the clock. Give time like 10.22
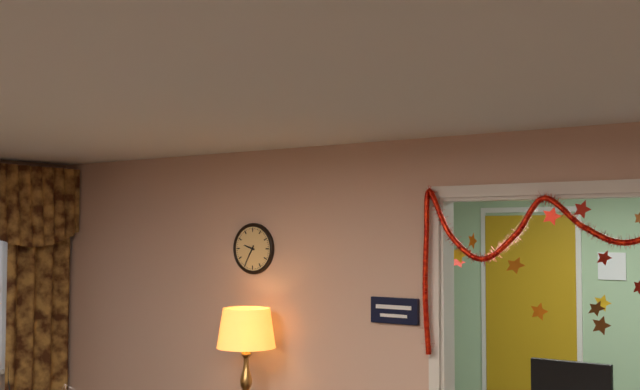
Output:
9.35
